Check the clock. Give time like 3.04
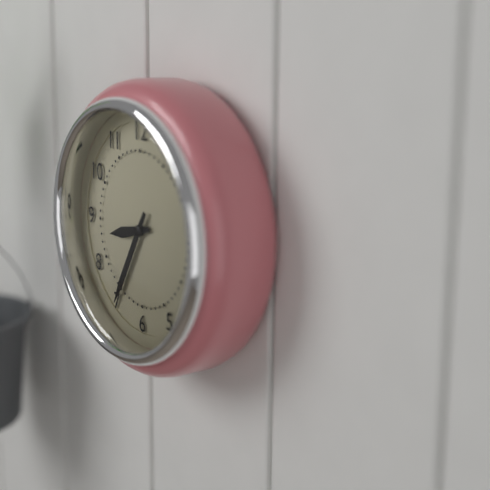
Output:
8.35
